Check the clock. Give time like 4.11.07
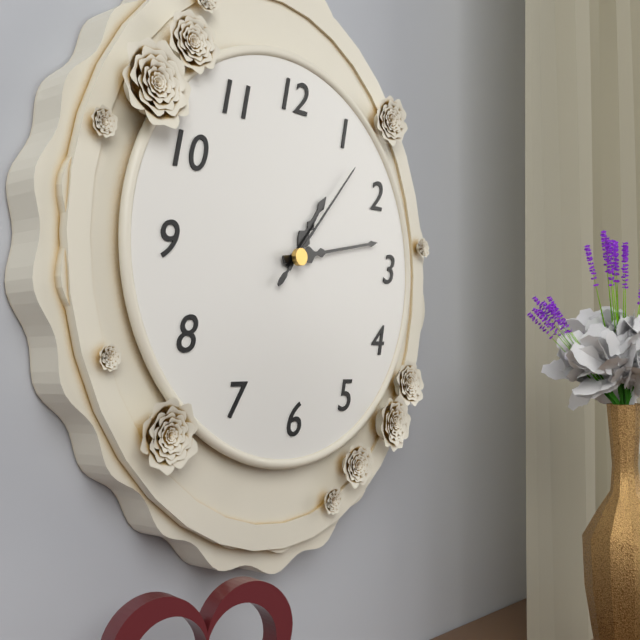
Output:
1.13.07
